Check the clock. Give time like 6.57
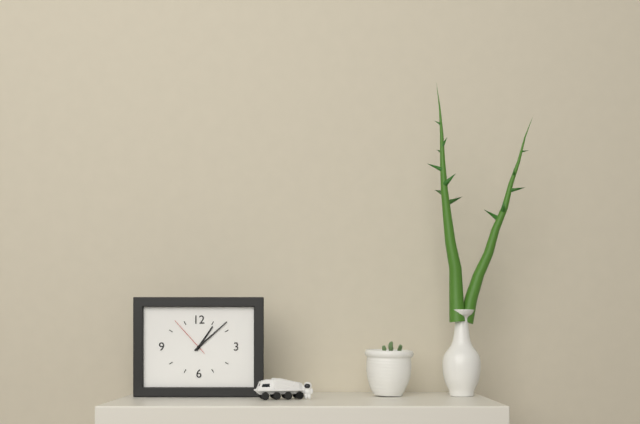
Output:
1.08
